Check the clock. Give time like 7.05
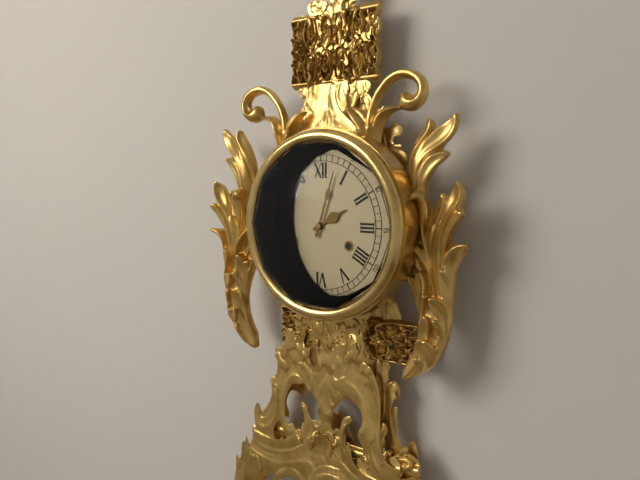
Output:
2.03
